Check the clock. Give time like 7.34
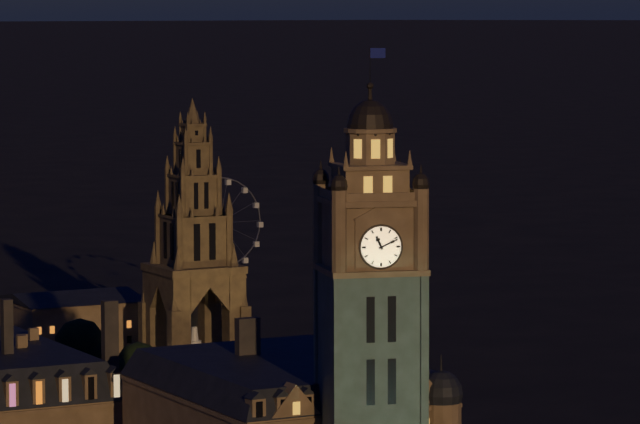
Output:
11.11
